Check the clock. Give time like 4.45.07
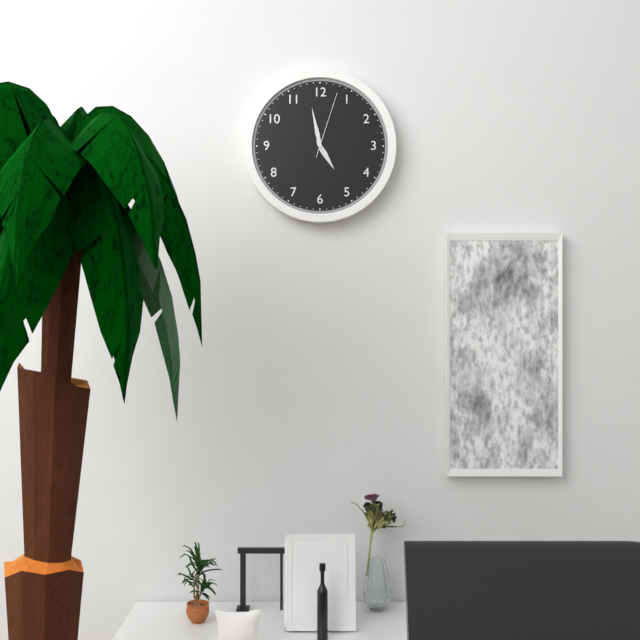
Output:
4.58.03
